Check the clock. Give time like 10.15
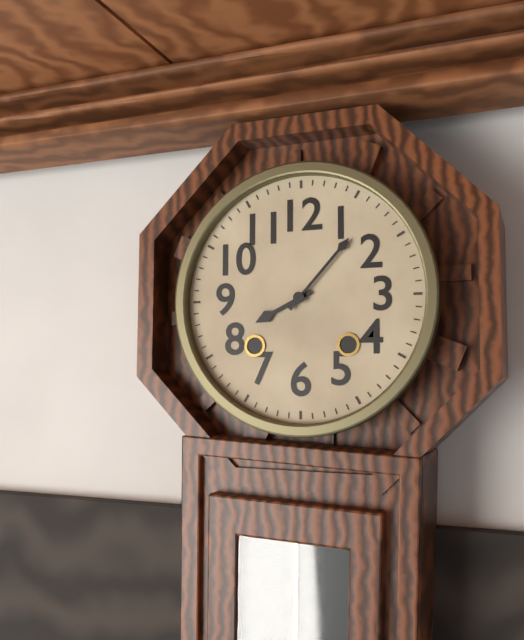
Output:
8.07
